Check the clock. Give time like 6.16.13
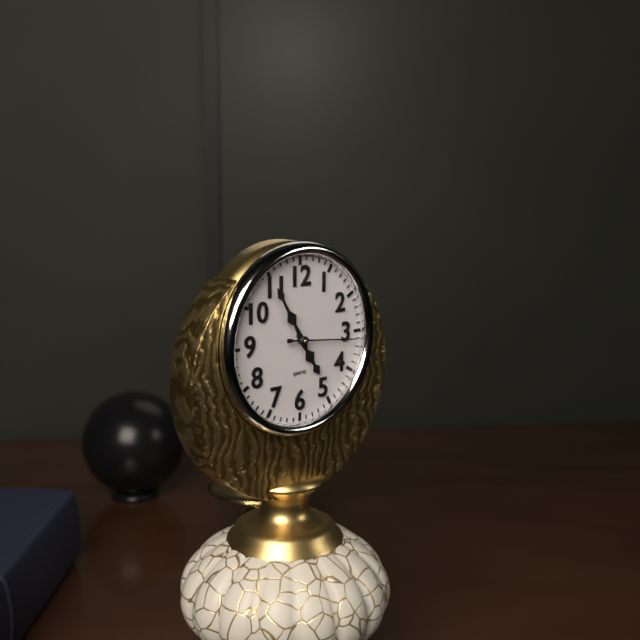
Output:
4.55.16
